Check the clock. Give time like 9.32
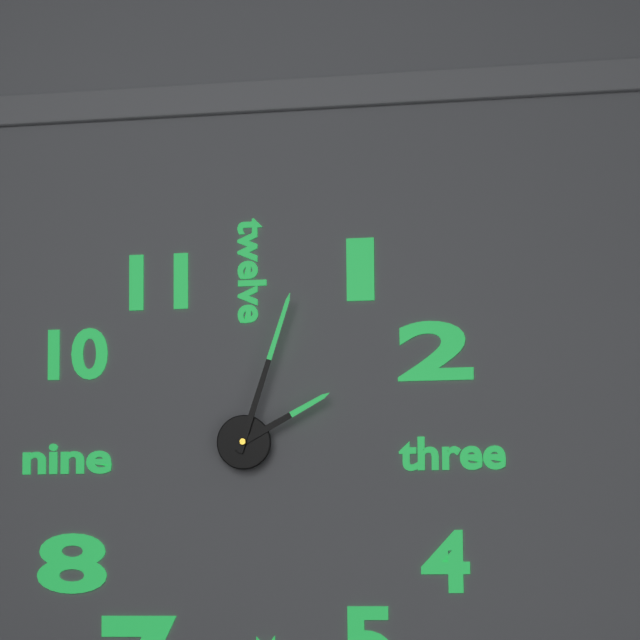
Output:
2.03
